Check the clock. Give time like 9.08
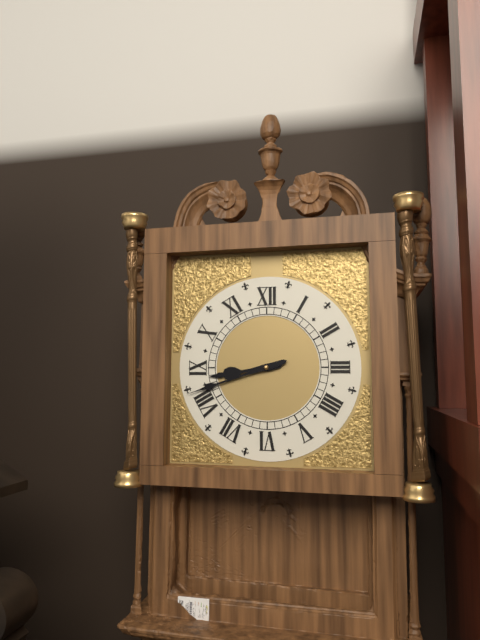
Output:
8.42
